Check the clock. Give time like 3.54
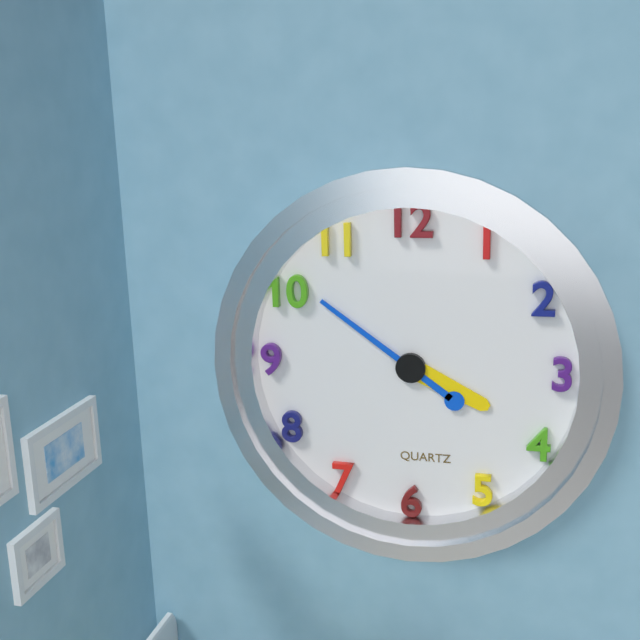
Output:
3.51
